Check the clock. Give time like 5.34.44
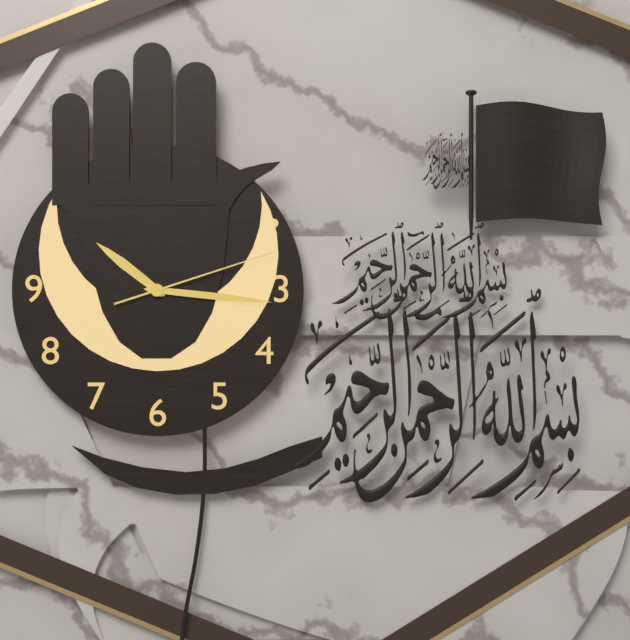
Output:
10.16.12
